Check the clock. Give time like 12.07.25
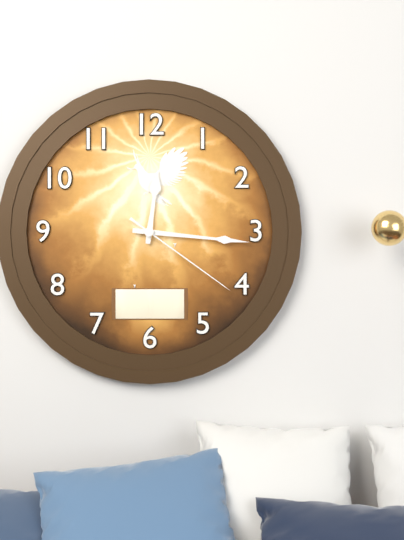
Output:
12.16.21
